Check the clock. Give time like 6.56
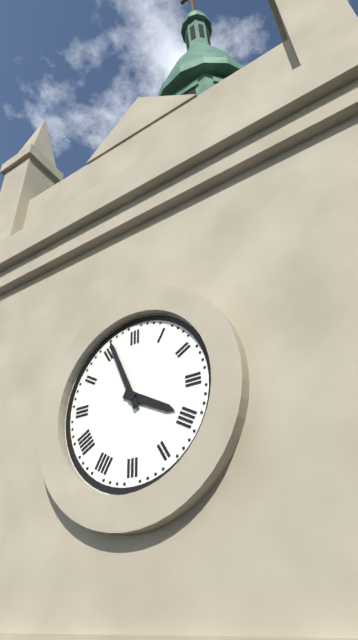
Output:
3.56
